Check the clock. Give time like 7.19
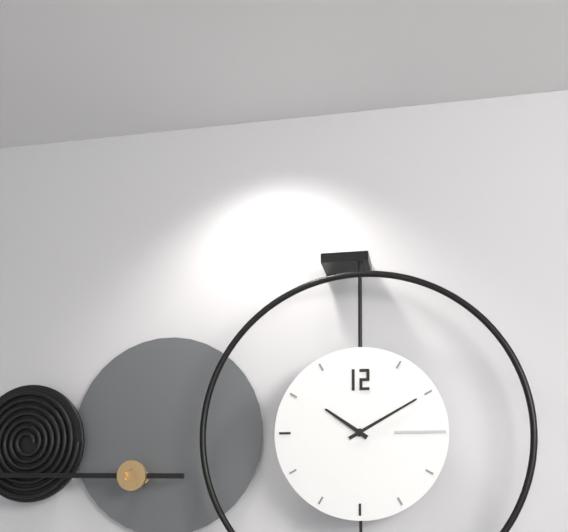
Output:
10.10
